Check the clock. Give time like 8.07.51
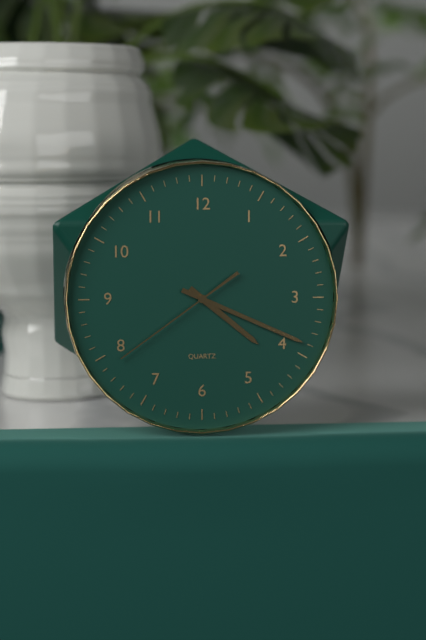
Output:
4.19.39
